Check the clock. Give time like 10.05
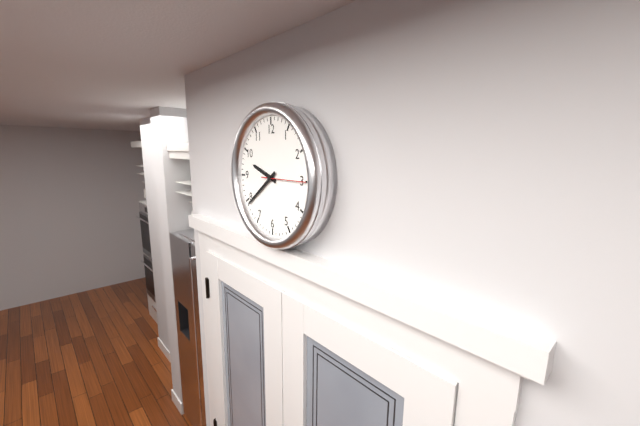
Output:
9.39
